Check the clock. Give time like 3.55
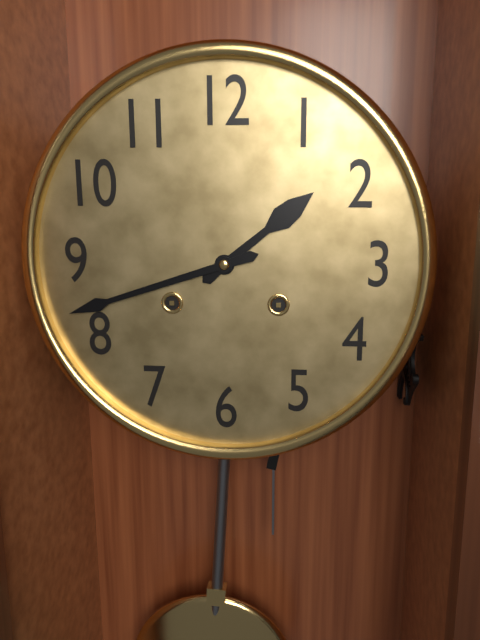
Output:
1.42
